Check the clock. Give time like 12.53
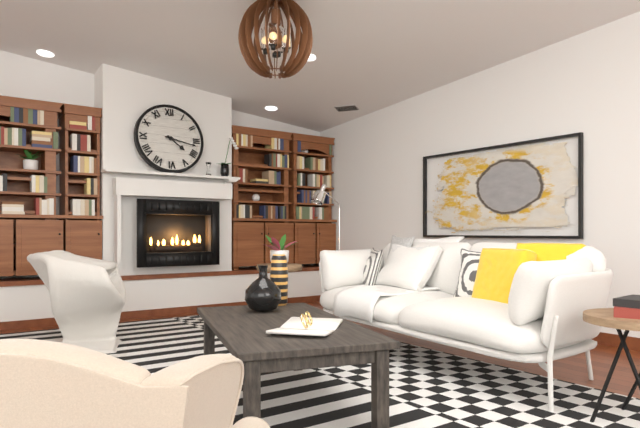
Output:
4.17
